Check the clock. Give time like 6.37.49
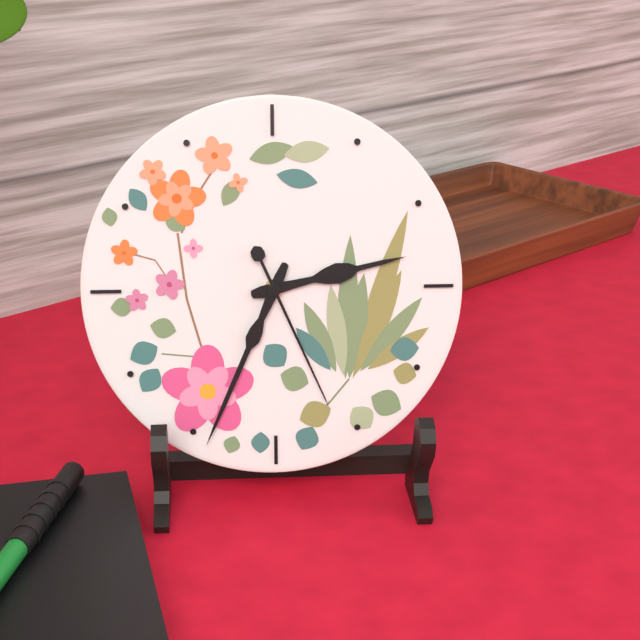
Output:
2.34.26
